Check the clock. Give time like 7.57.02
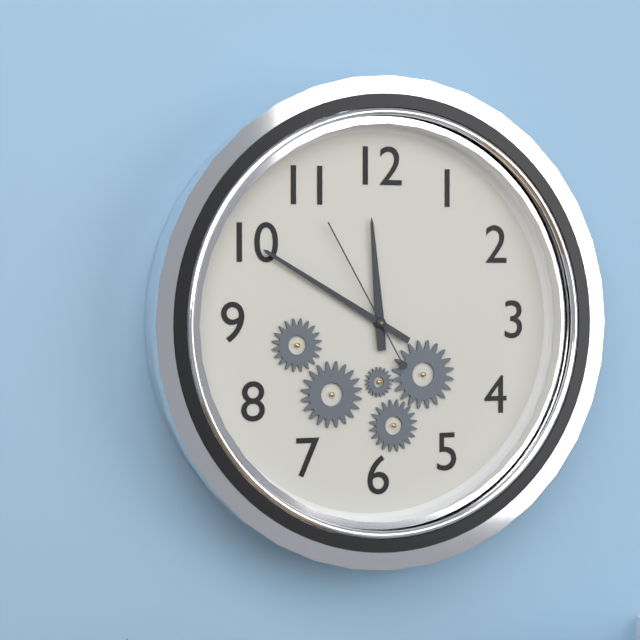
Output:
11.50.55
